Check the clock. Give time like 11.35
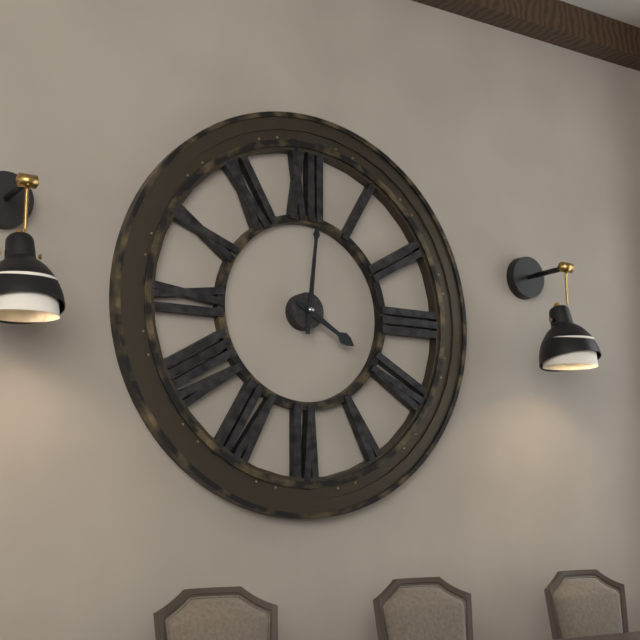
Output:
4.01
